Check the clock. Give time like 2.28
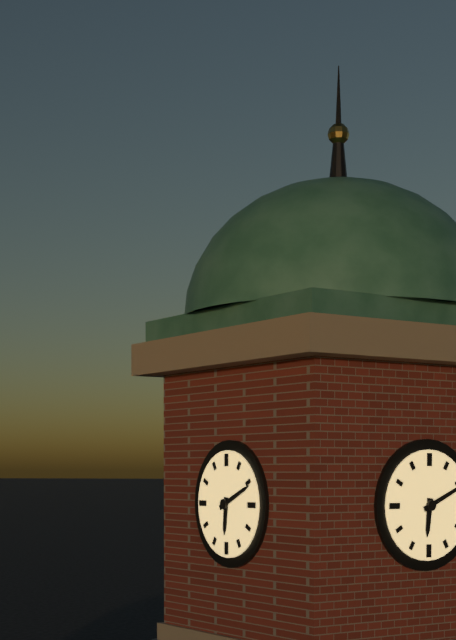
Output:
6.11
